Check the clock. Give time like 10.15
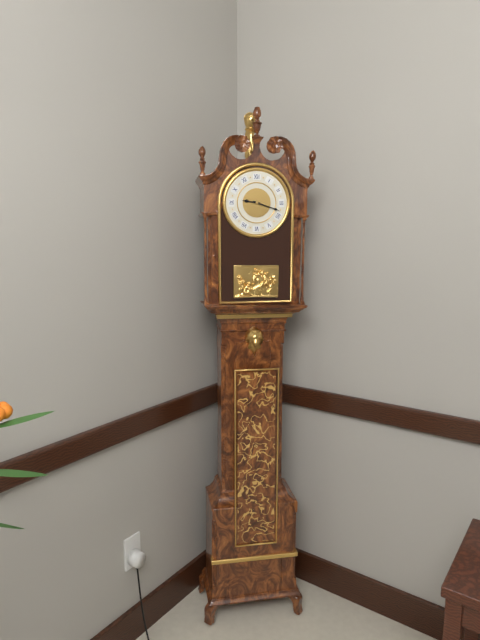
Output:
9.18
